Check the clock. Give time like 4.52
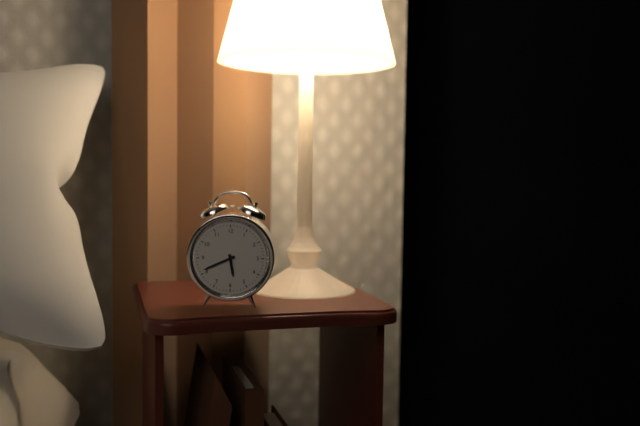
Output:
5.41
